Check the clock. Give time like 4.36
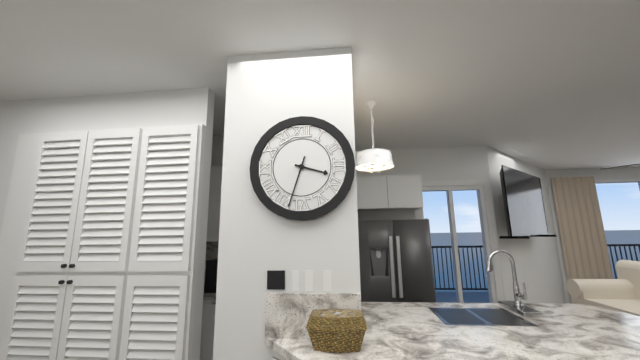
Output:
3.33
